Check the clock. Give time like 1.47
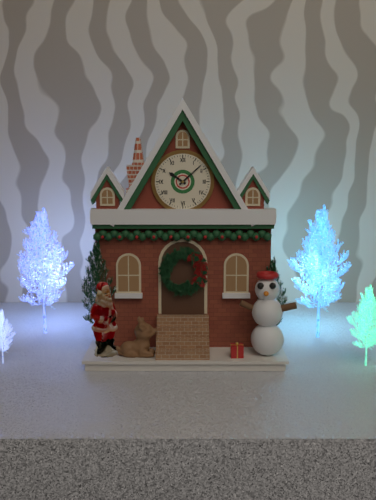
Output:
10.08
